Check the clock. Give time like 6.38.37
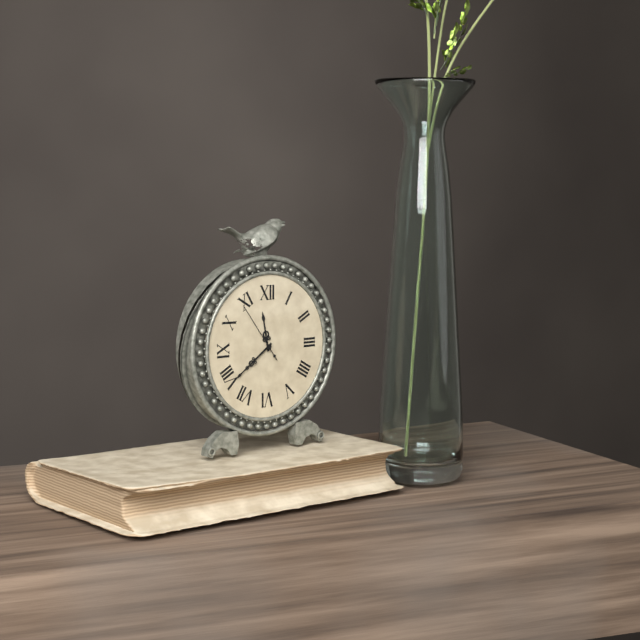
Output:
11.39.54
